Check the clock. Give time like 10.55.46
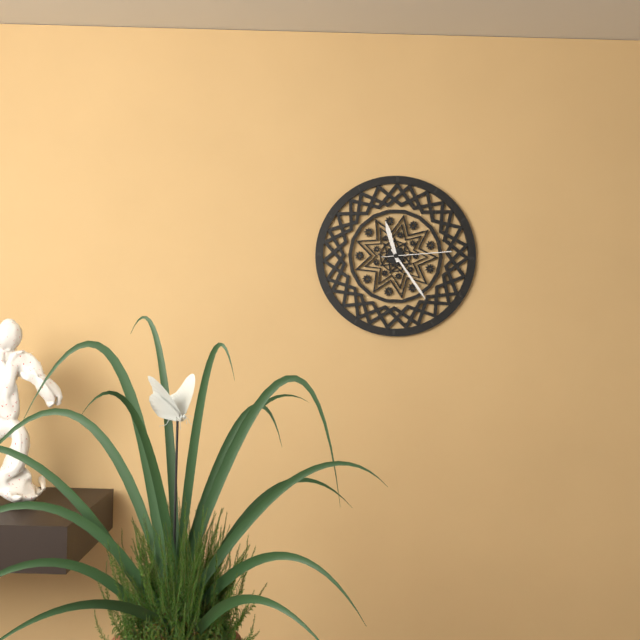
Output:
11.24.14
